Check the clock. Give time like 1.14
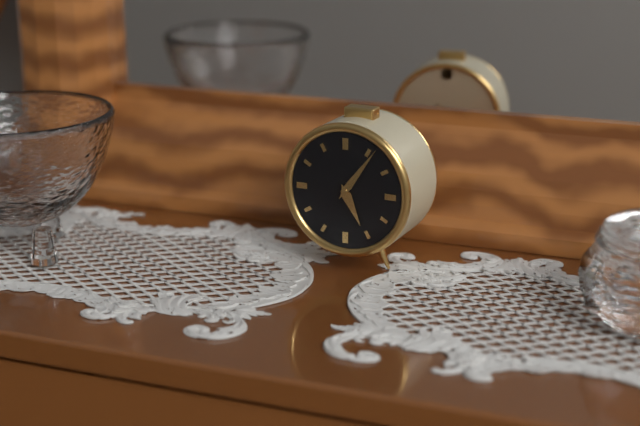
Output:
5.06
